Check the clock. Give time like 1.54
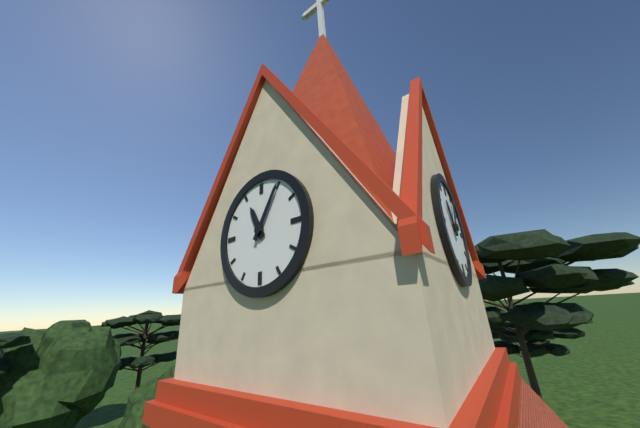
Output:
11.05
